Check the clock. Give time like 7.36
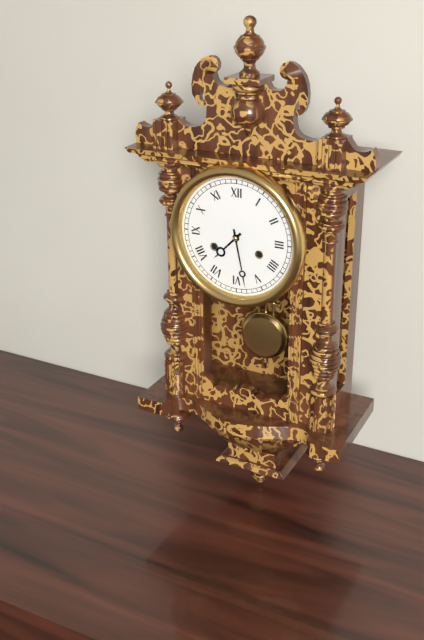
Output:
7.28
